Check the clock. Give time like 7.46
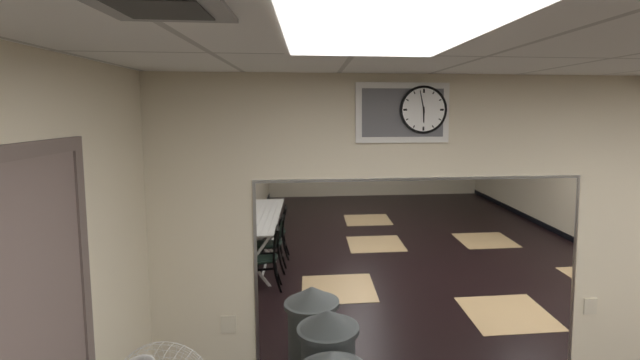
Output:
5.58
